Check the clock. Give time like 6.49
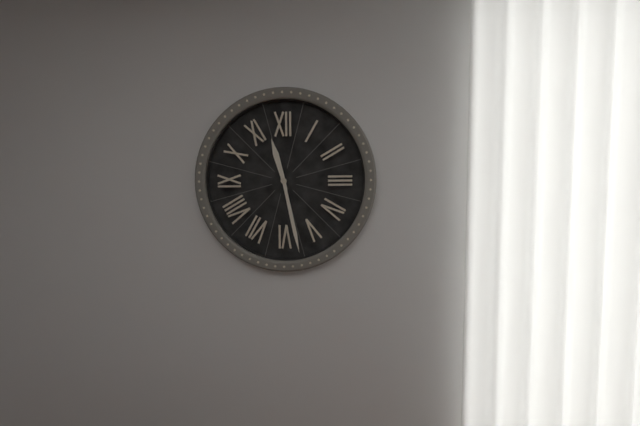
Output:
11.28
